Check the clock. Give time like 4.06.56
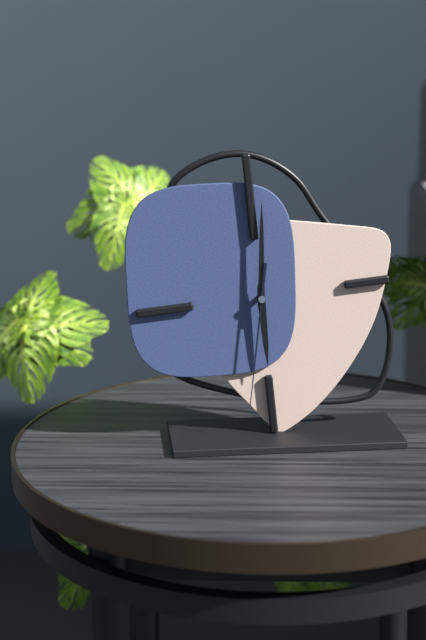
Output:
6.01.32
